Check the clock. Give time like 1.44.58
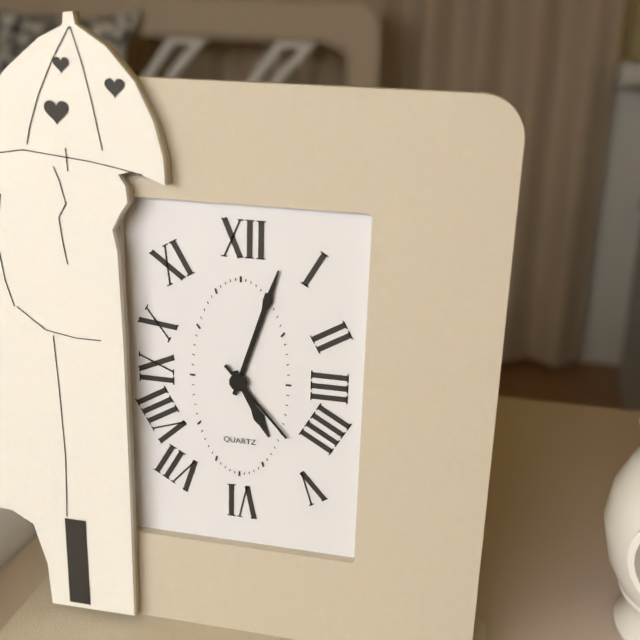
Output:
5.03.23
